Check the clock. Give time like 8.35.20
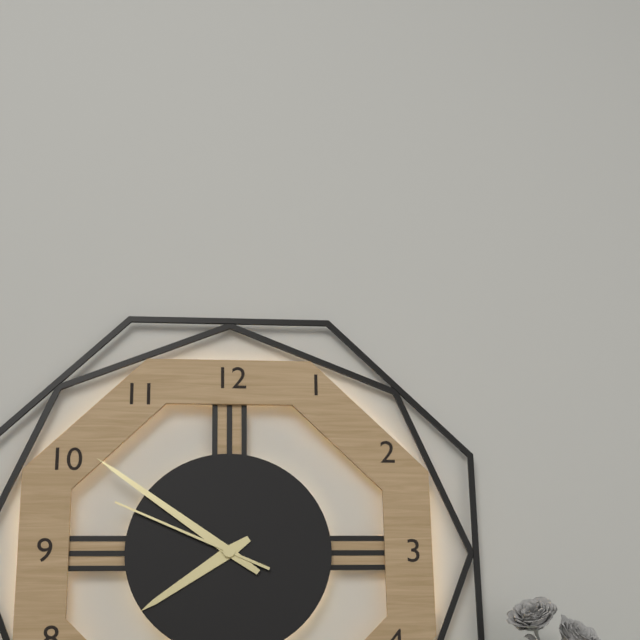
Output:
7.51.49
